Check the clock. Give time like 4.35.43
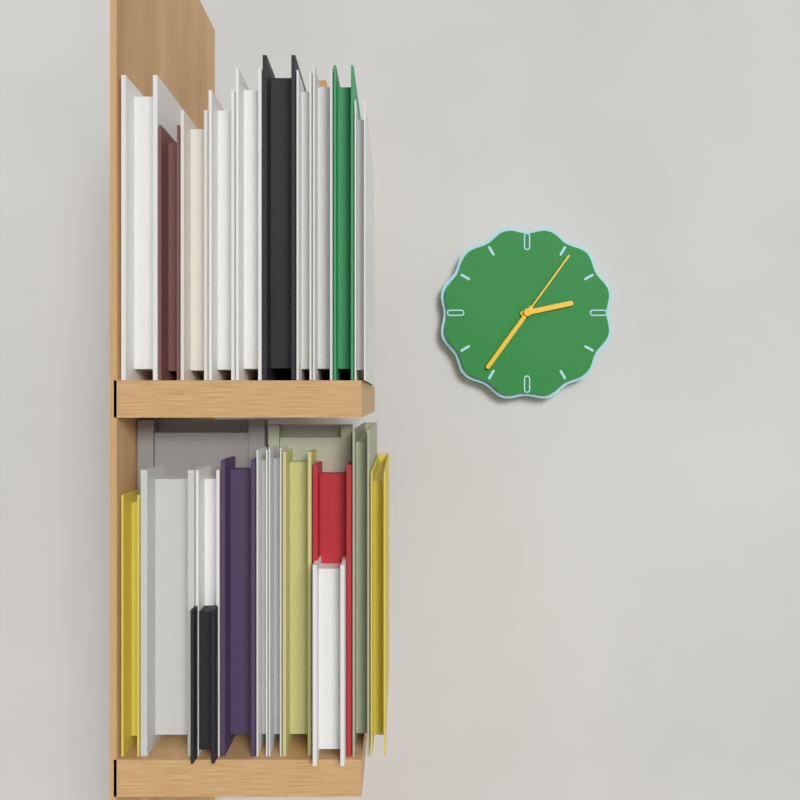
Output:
2.36.06
